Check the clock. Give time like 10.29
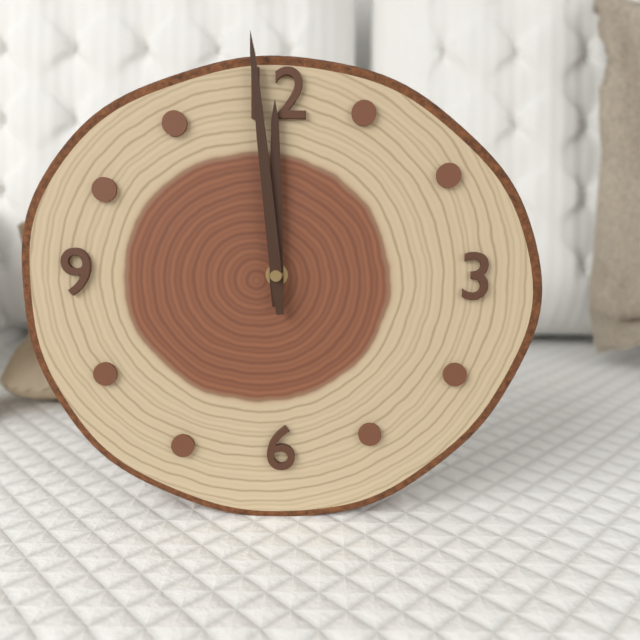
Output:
11.59
